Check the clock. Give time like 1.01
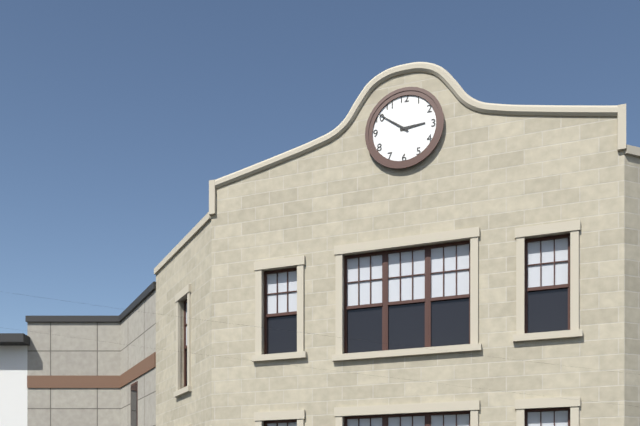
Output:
2.51
